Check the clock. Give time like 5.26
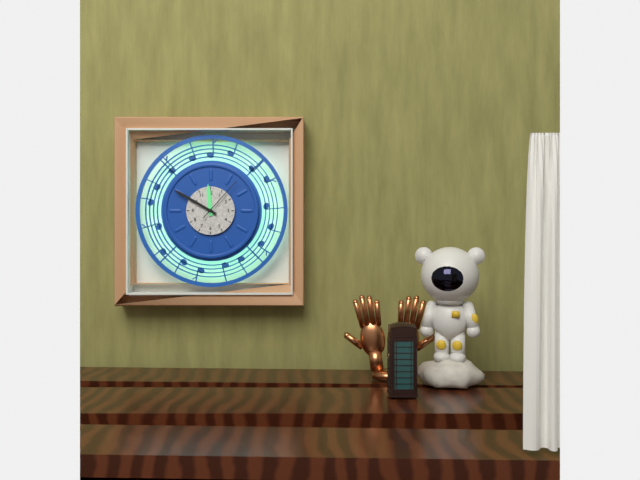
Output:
11.50
